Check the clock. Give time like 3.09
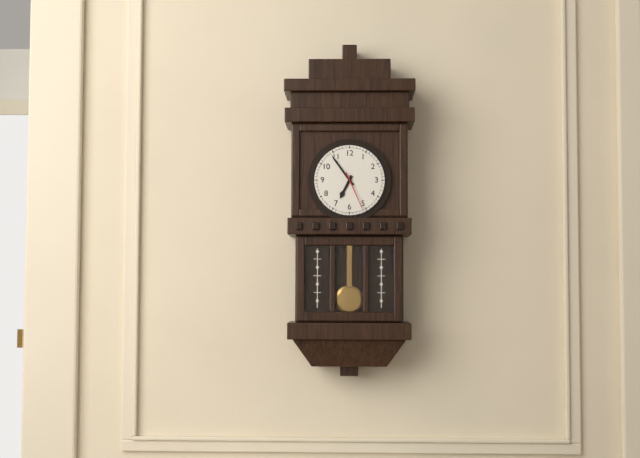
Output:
6.54
